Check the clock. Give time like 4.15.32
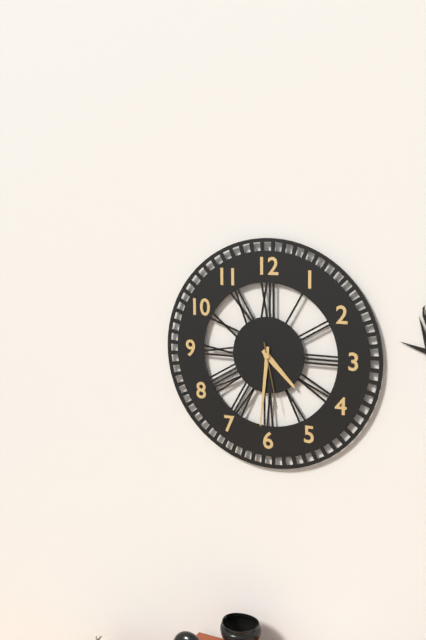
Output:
4.31.28
